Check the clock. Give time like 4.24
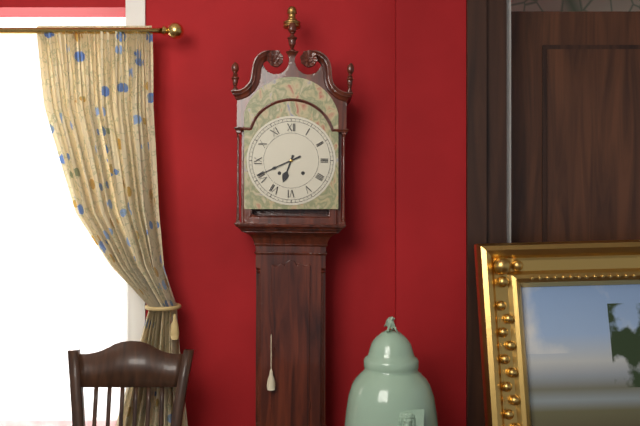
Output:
6.41
